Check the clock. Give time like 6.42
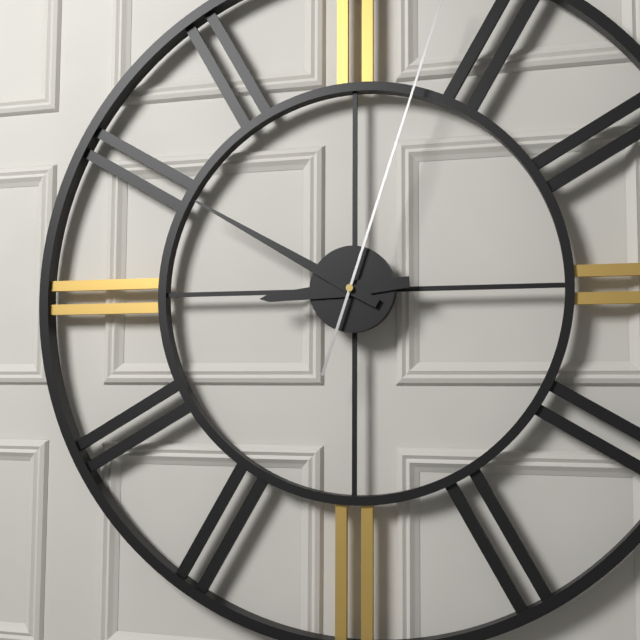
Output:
8.50
